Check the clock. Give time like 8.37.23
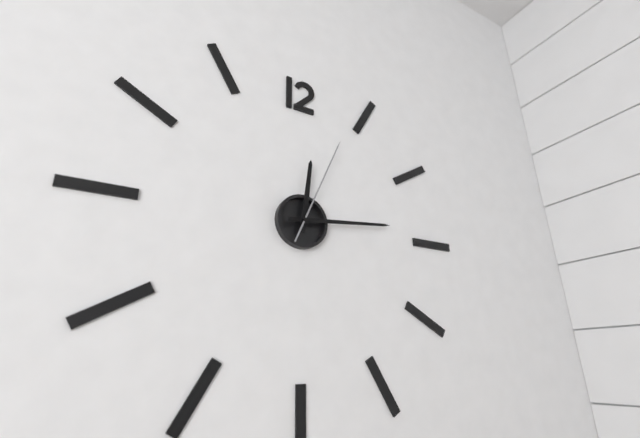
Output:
12.14.04
